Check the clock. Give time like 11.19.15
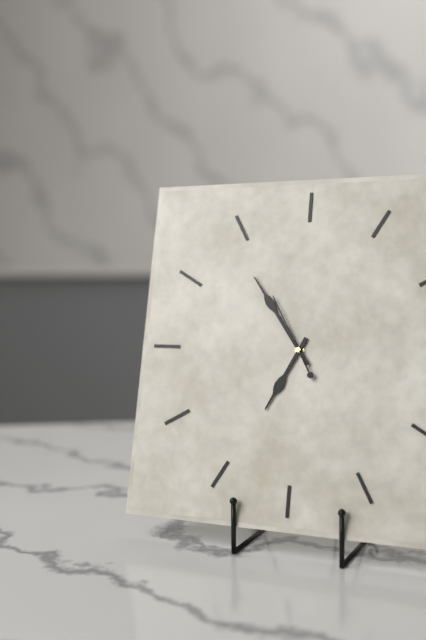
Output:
6.54.55
